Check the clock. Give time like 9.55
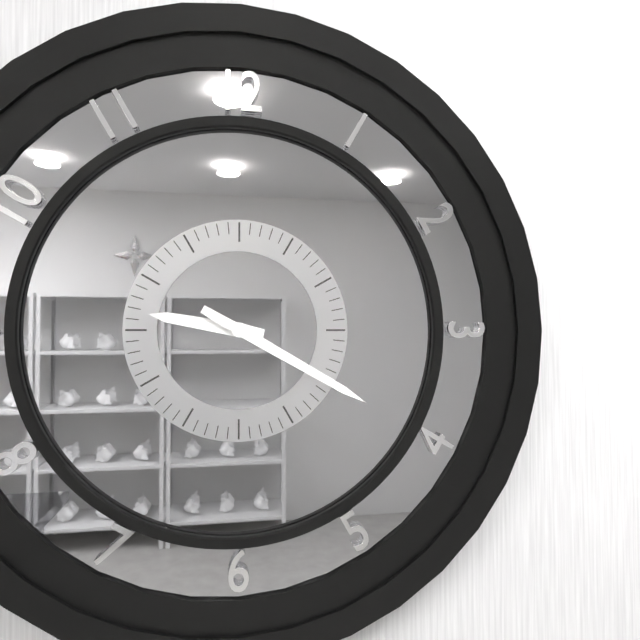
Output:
9.20
